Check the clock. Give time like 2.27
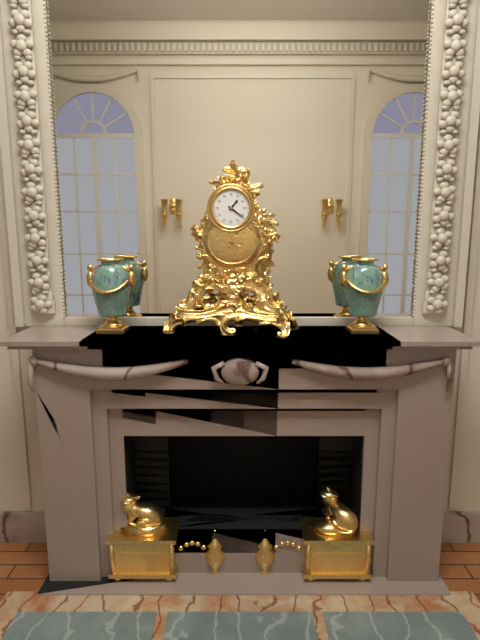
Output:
1.21
